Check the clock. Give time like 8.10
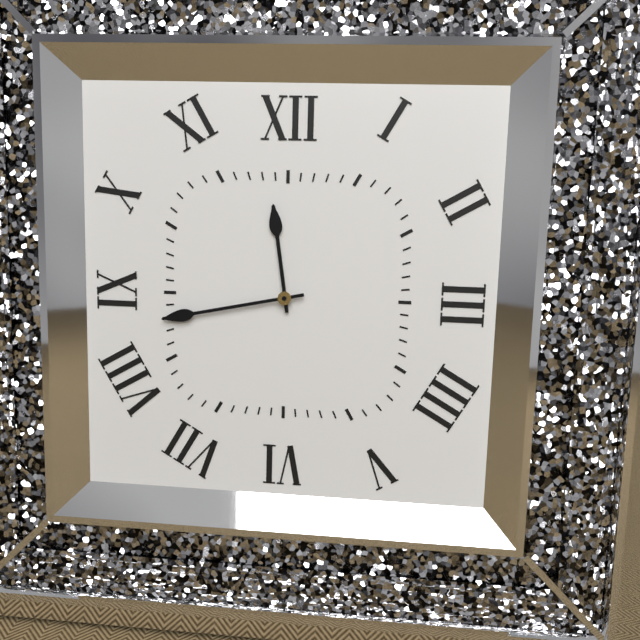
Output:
11.43
